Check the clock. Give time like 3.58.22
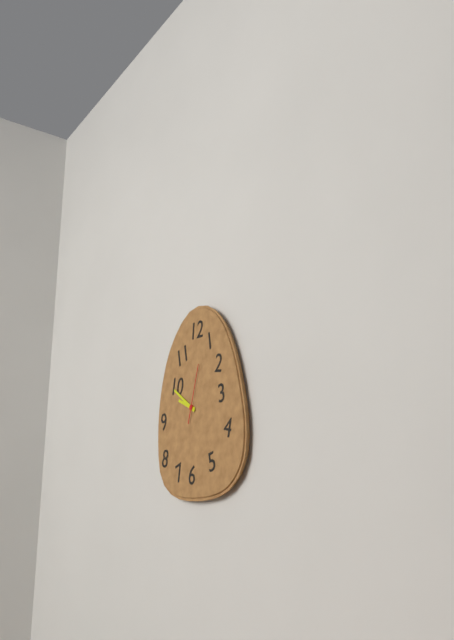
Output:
9.51.03
